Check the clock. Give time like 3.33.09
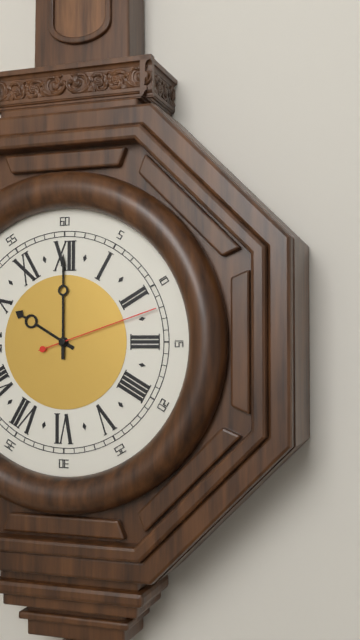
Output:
10.00.12
